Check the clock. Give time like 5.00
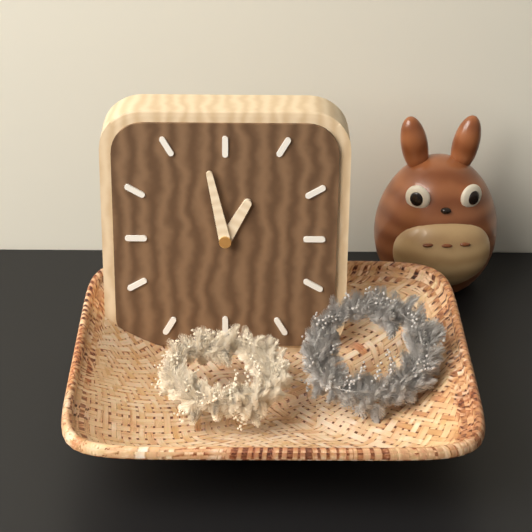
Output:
12.58
